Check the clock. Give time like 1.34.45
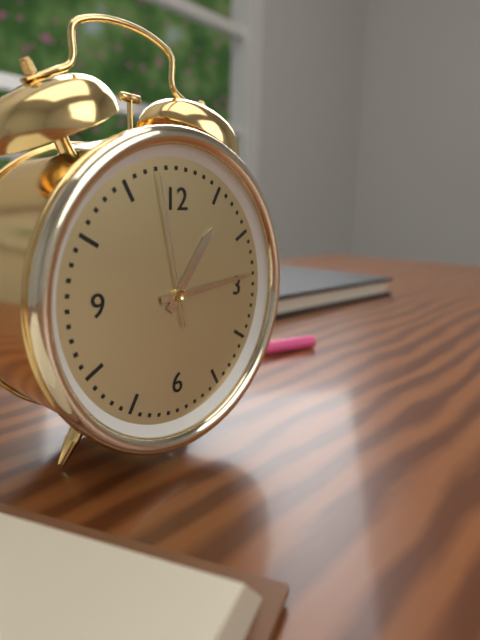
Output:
1.14.58
